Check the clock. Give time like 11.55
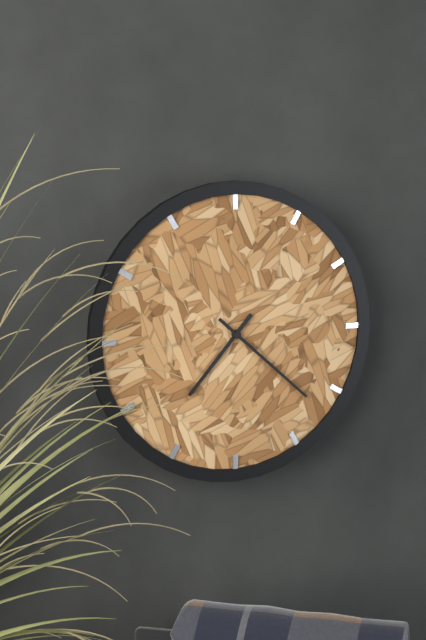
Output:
7.22
